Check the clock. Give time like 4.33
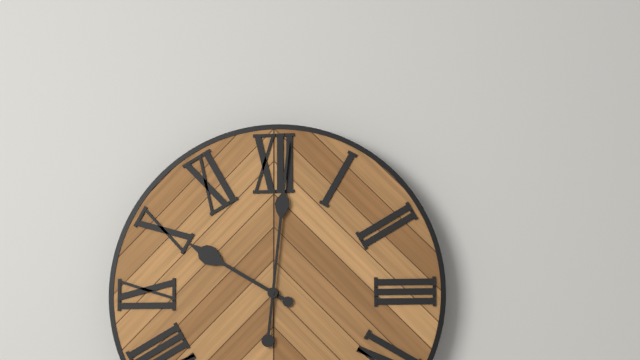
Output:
10.01
